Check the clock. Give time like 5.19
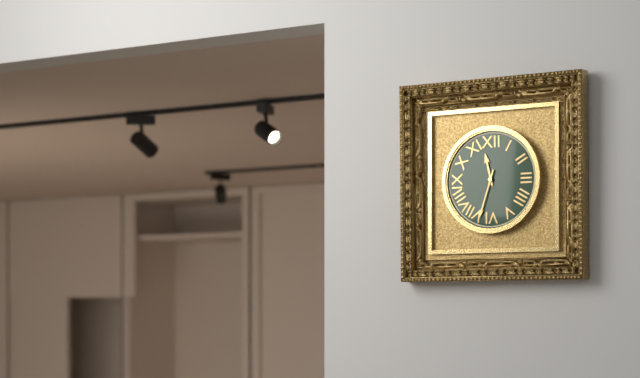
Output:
11.33
